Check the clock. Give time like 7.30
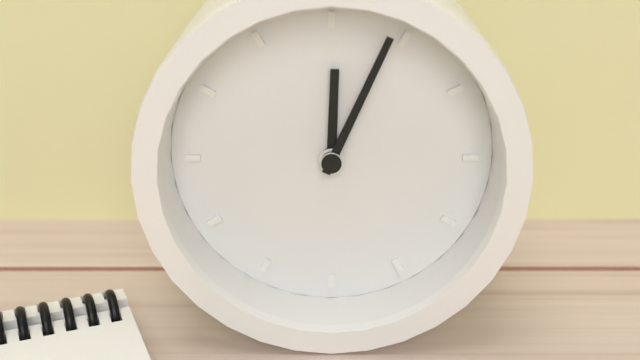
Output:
12.04
